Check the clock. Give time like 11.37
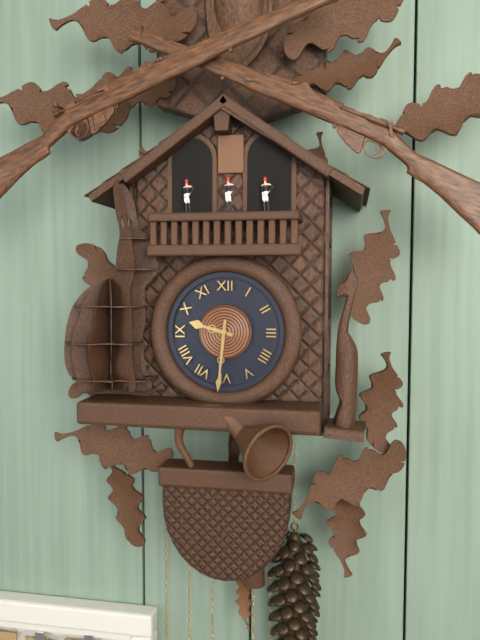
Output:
9.31
